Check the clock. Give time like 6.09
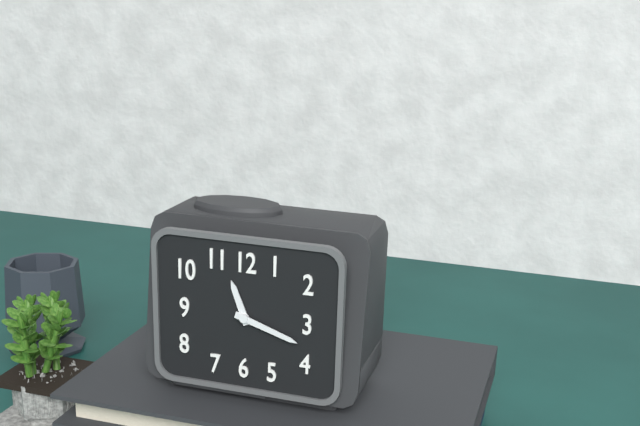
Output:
11.18
